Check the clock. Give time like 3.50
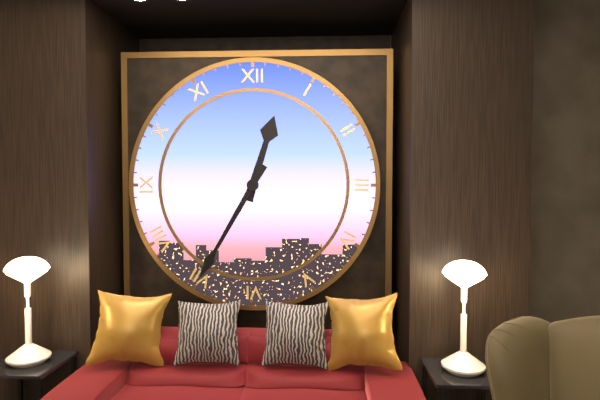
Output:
12.35
